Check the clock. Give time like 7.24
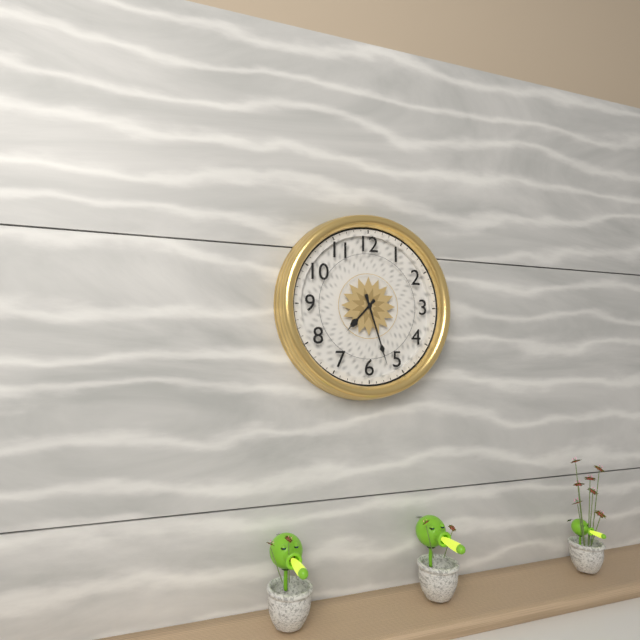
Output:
7.27
